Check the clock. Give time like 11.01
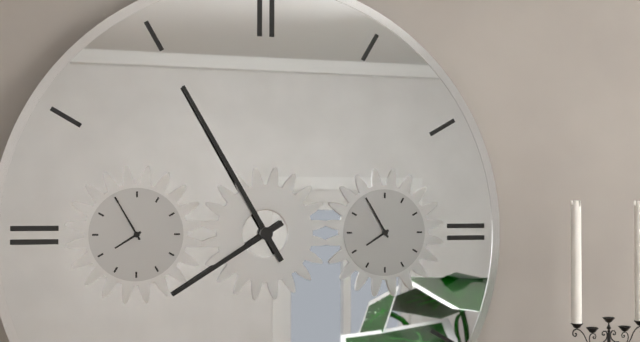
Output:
7.55
